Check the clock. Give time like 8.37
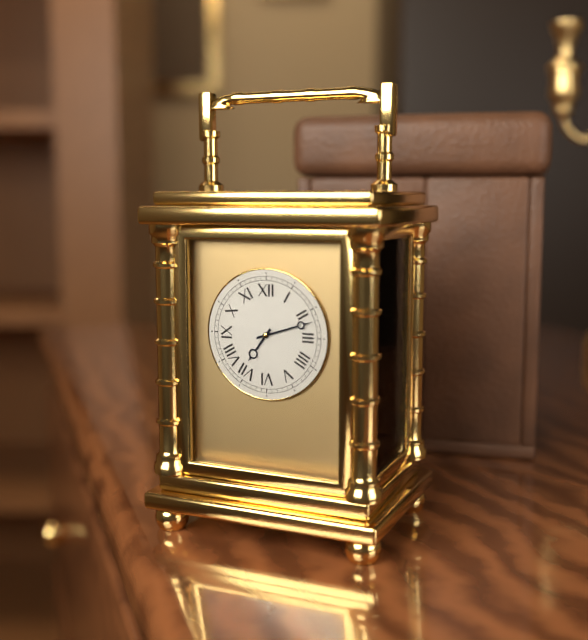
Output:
7.12
